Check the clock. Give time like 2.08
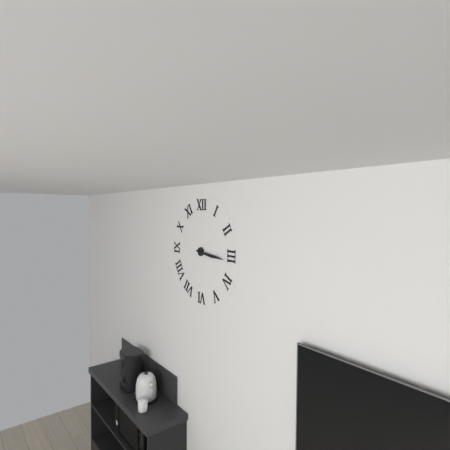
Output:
3.16
